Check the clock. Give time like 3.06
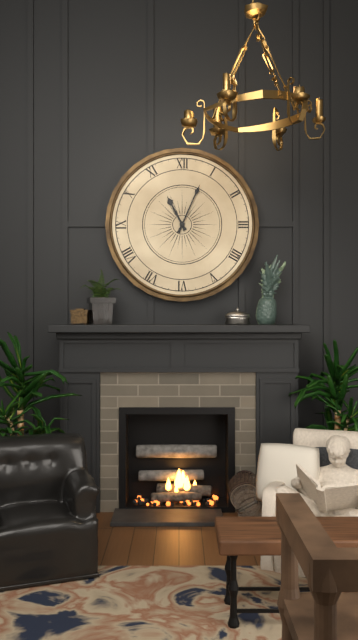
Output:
11.04
